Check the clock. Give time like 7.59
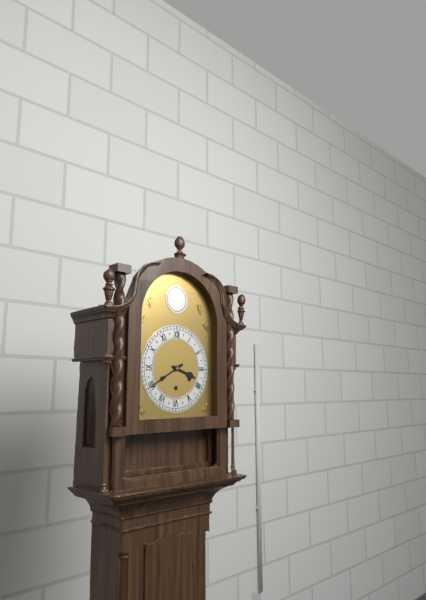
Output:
3.40
